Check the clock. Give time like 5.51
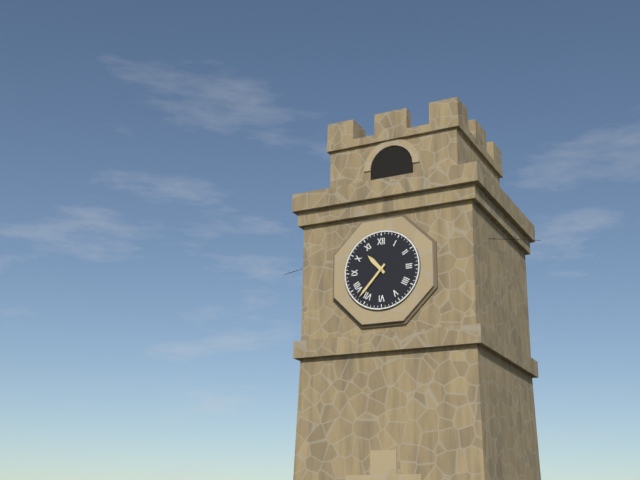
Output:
10.37
